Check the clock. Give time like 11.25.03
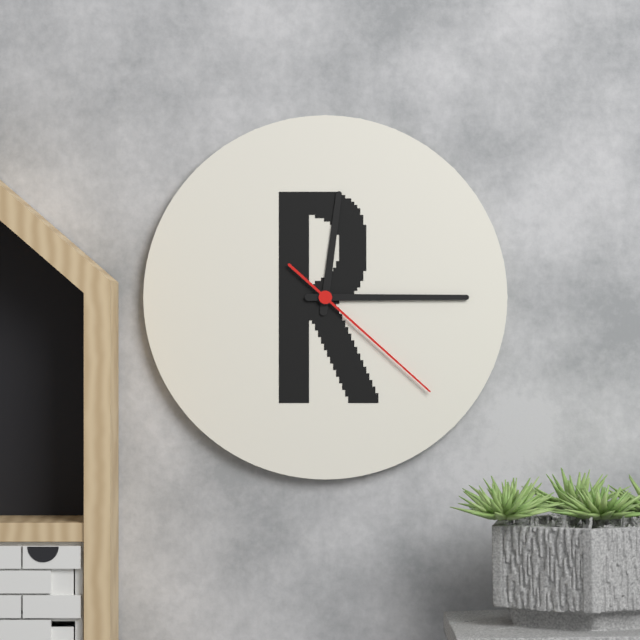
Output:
12.15.22
